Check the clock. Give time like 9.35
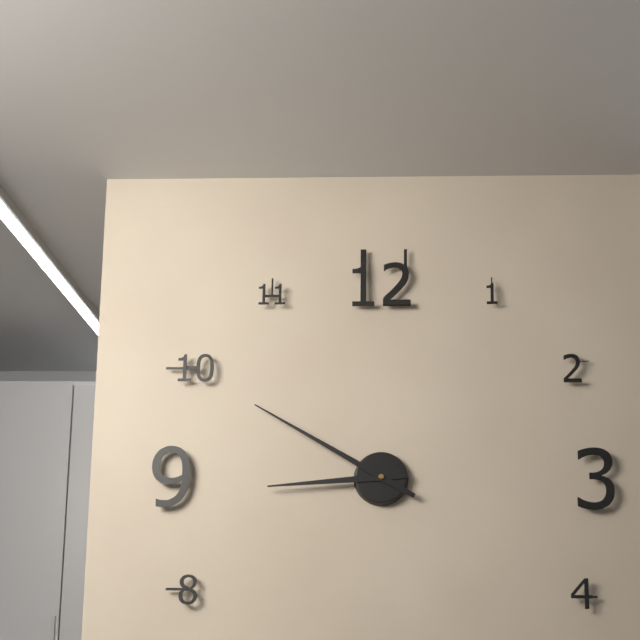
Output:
8.50
